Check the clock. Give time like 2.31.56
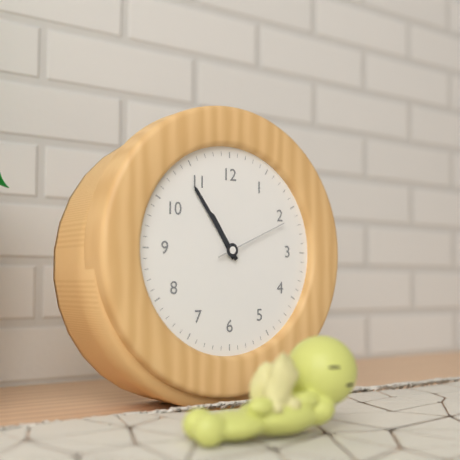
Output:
10.54.11
